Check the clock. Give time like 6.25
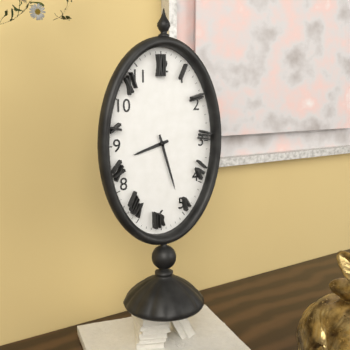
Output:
8.27
